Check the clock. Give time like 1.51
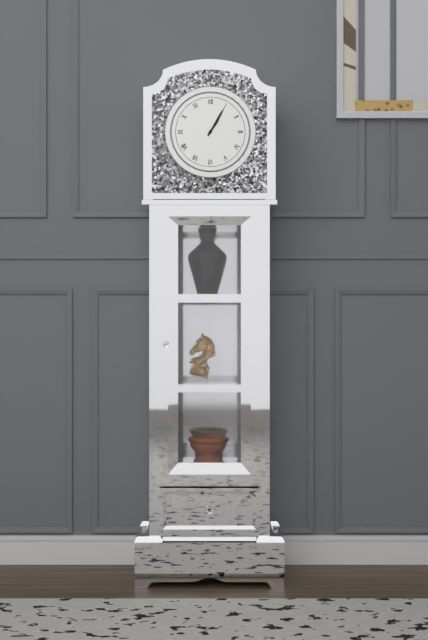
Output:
1.05
